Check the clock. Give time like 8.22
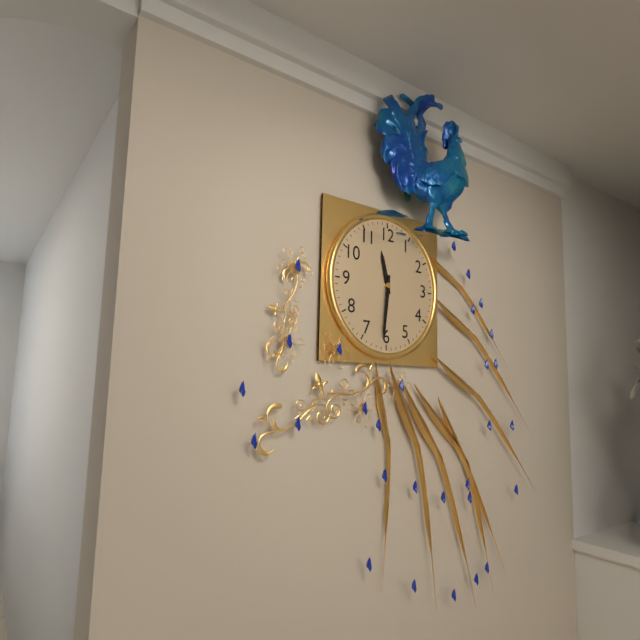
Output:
11.31
